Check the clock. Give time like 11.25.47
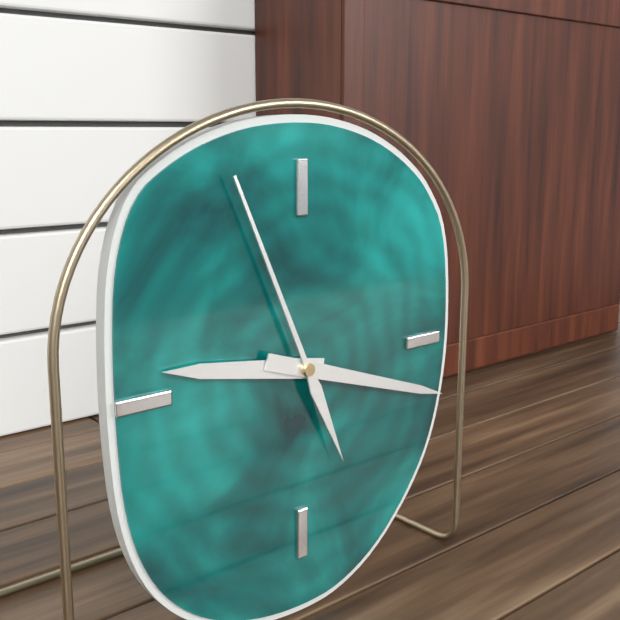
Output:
9.18.56
